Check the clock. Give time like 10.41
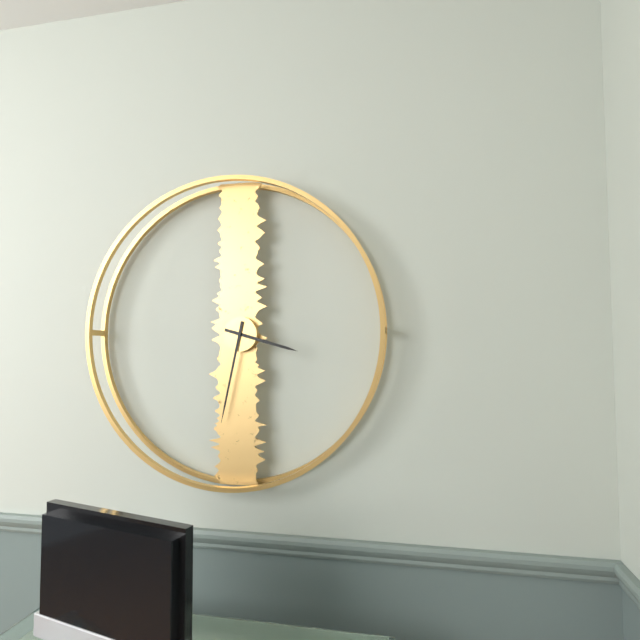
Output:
3.32
